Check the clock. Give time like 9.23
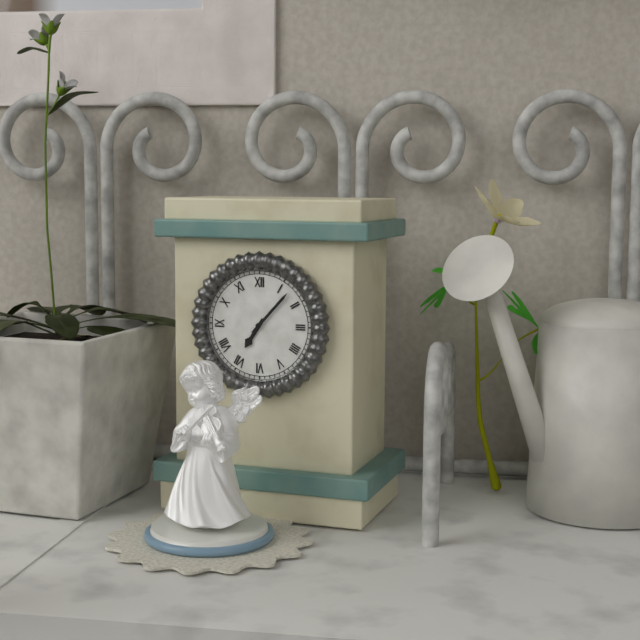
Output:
7.07
